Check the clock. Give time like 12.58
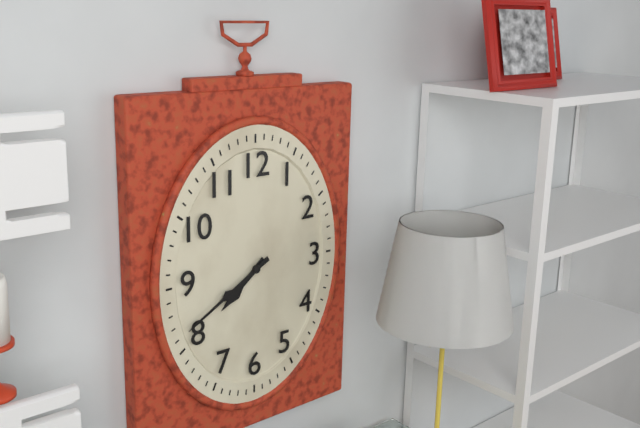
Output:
7.40
